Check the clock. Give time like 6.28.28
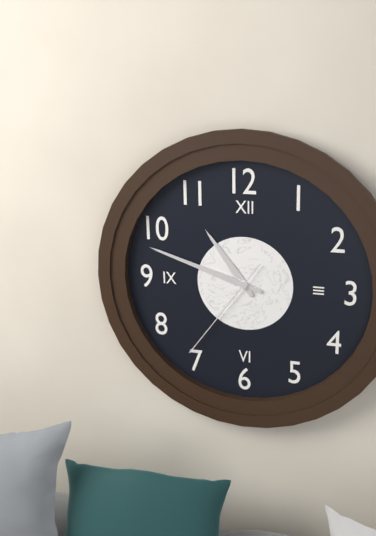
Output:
10.48.36
